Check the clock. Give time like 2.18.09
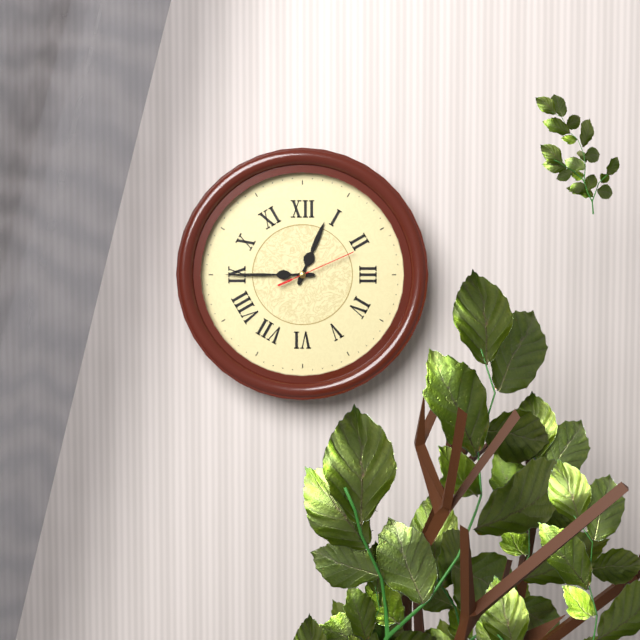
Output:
12.45.11
